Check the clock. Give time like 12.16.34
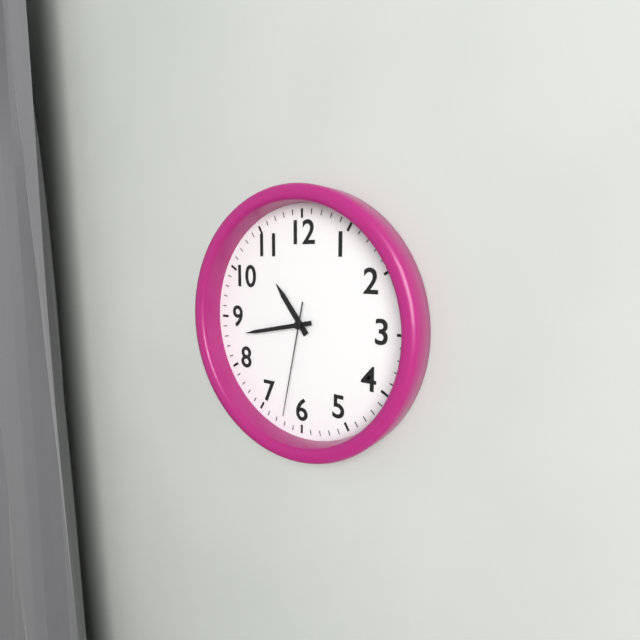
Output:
10.43.32
